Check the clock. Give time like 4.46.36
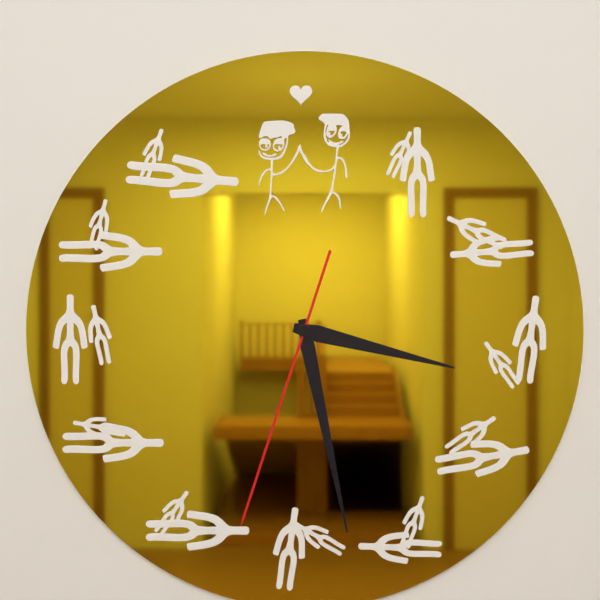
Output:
3.28.33
